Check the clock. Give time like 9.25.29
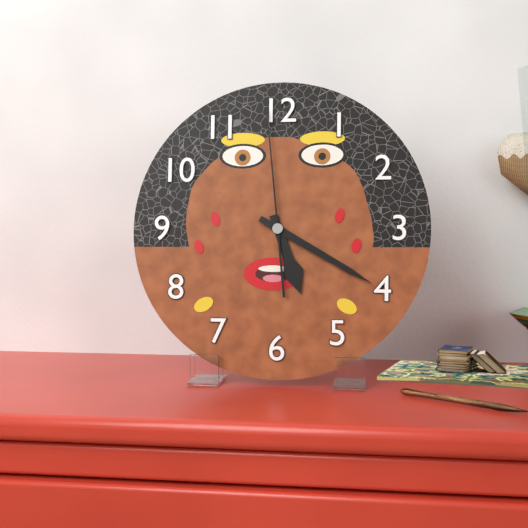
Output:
5.20.59
